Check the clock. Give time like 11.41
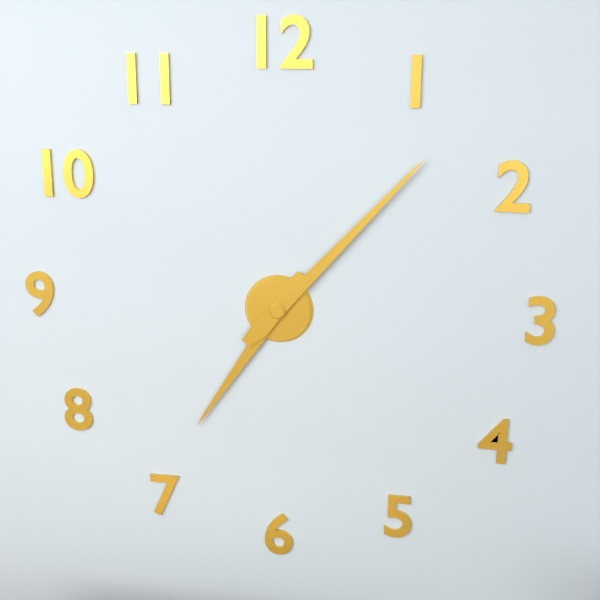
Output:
7.07
